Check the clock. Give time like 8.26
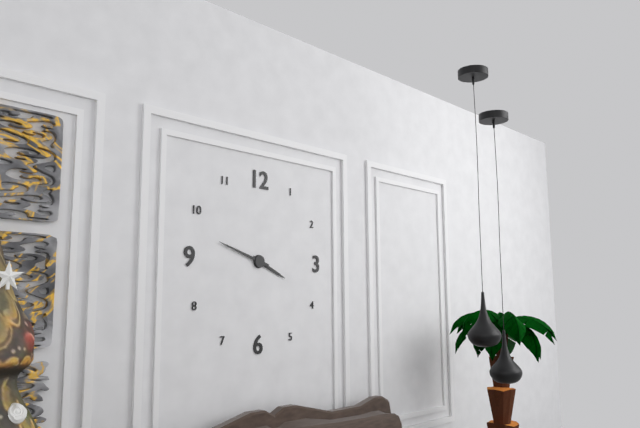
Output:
3.48
